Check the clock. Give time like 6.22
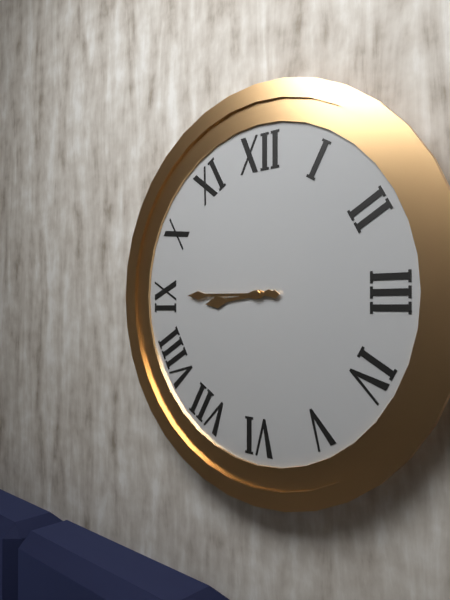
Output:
8.45
